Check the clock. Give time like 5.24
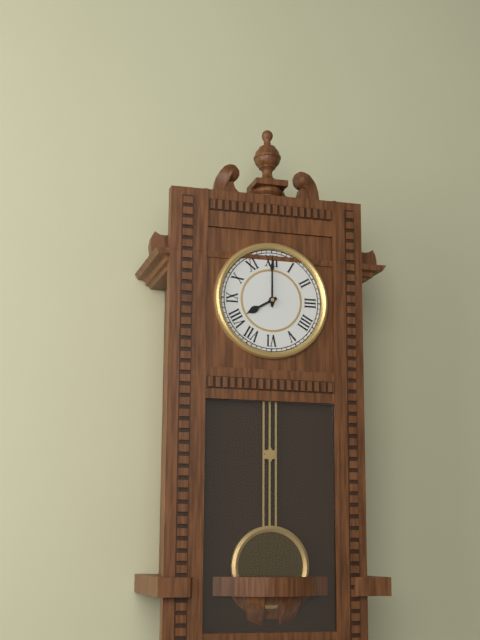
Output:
8.00
